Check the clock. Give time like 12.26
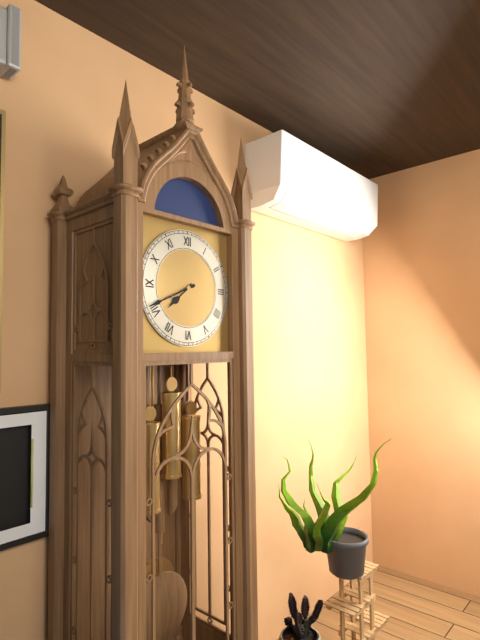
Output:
7.41
